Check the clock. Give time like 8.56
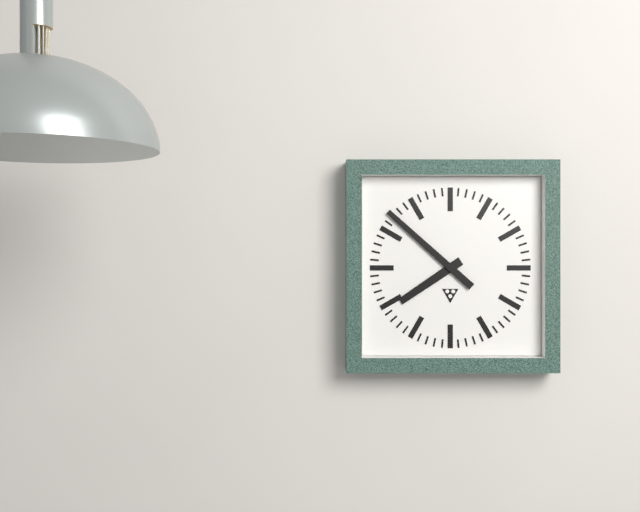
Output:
7.52
